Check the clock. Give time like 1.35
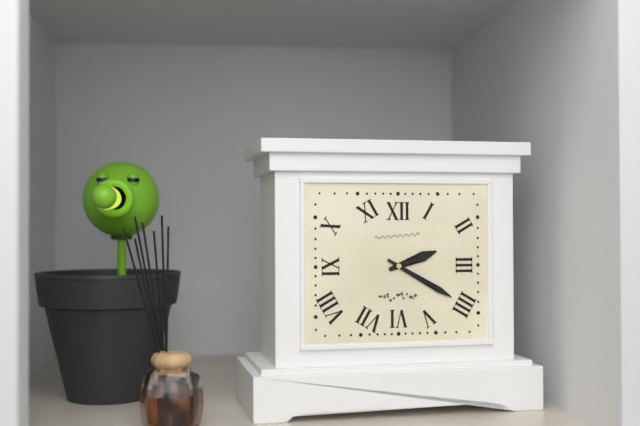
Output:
2.20
